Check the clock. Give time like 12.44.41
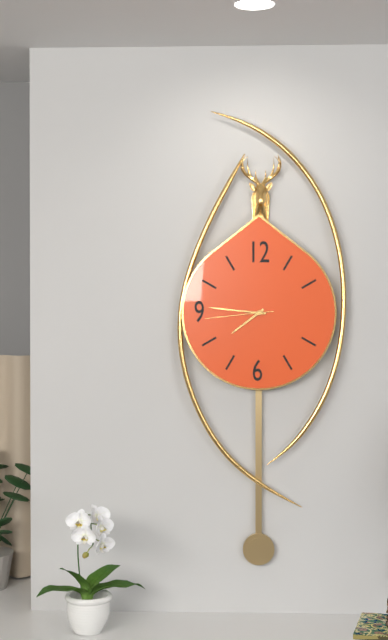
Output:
7.46.44
